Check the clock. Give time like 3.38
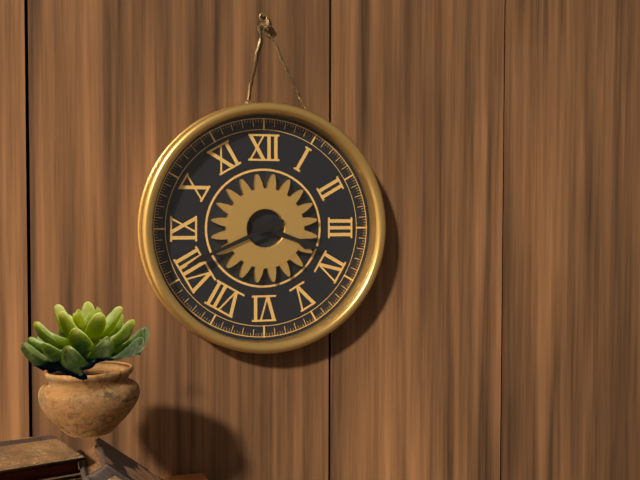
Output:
3.41
